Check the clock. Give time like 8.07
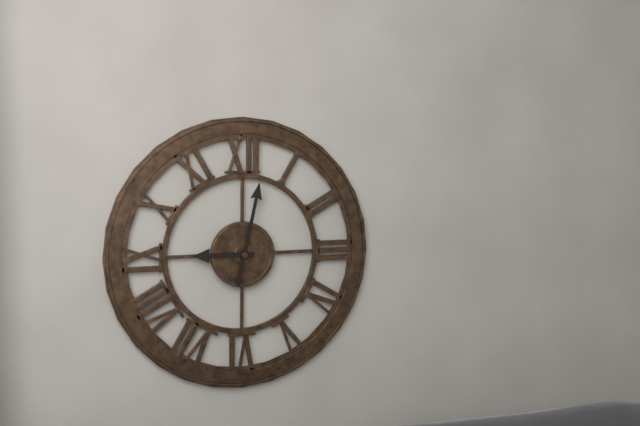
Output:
9.02
